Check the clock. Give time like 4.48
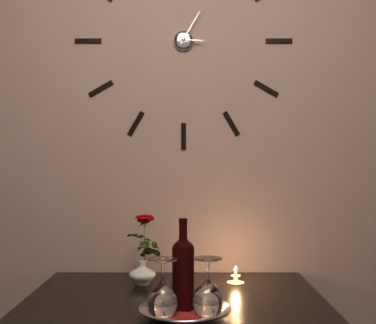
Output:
3.05
